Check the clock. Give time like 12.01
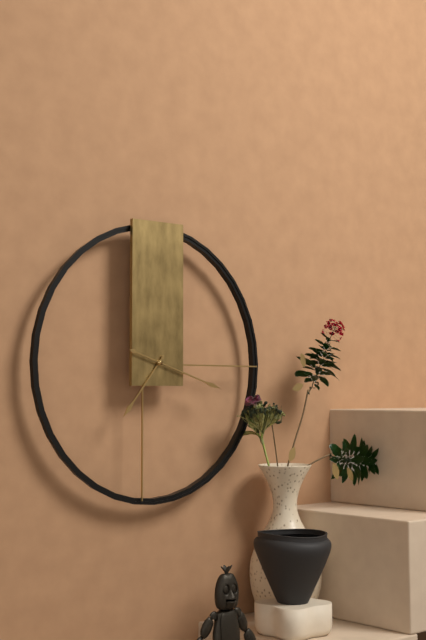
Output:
7.18
